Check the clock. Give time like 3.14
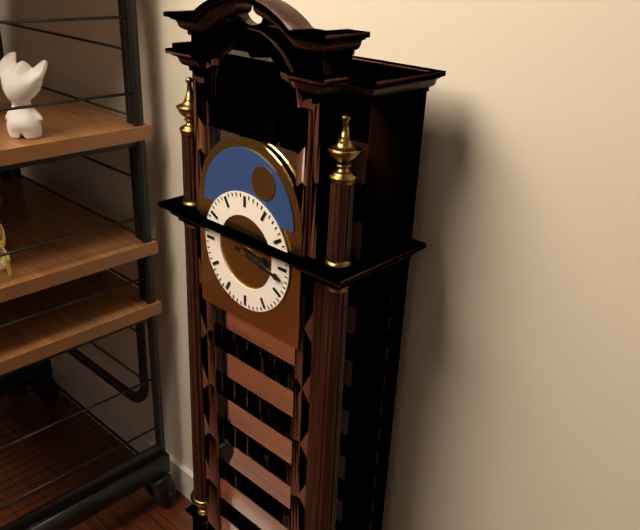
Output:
3.17
